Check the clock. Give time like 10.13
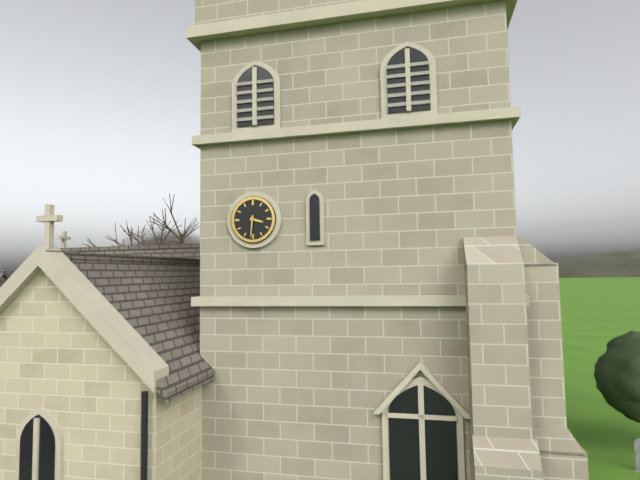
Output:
3.31
